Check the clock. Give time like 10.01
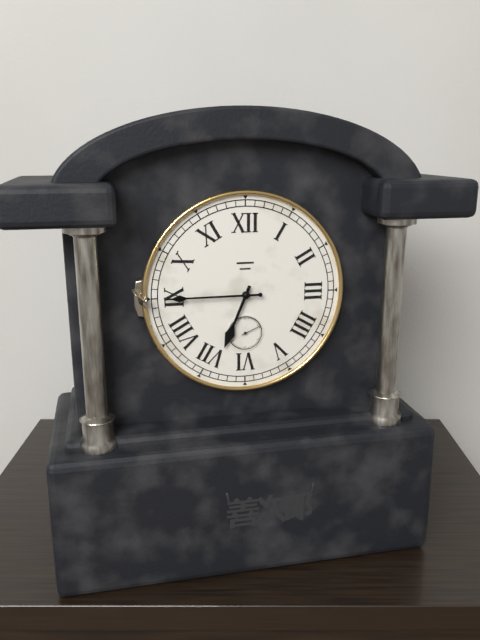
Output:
6.45
